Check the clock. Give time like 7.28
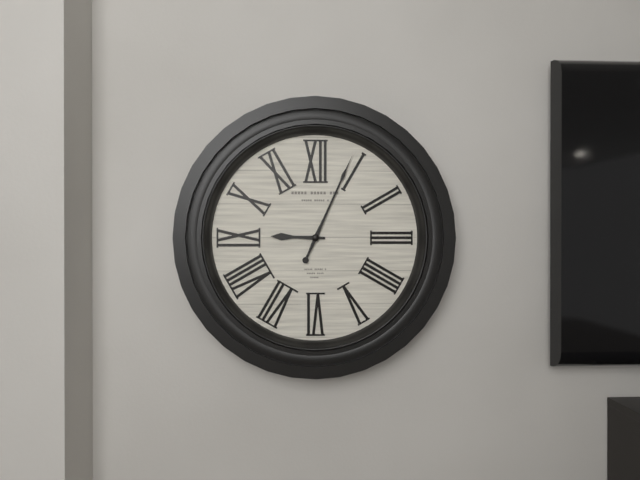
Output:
9.04
